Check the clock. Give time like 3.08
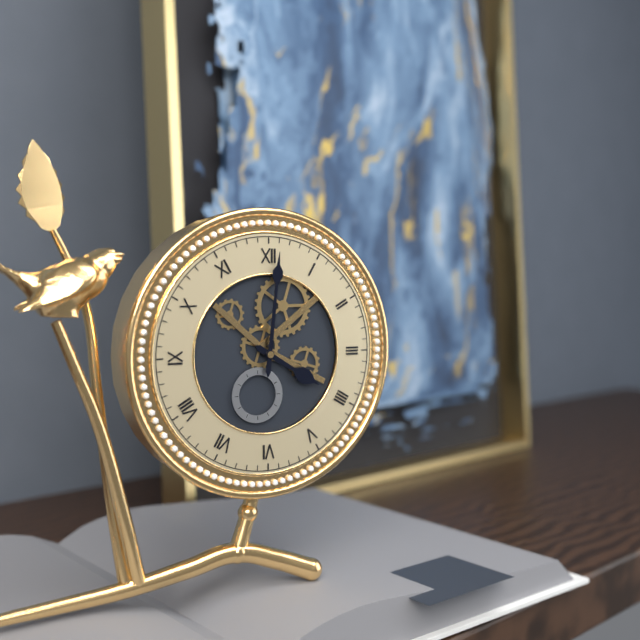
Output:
4.01
